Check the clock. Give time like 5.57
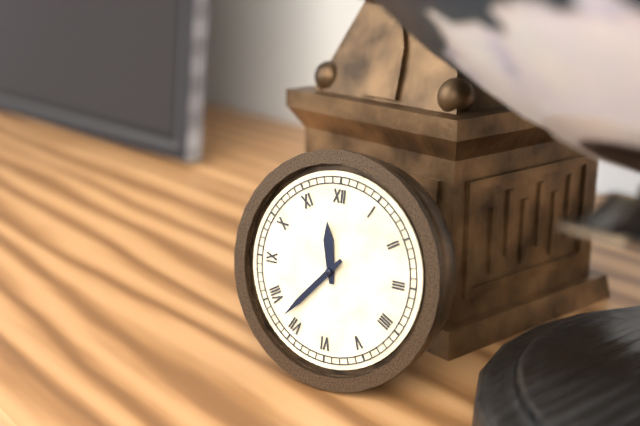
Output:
11.37
